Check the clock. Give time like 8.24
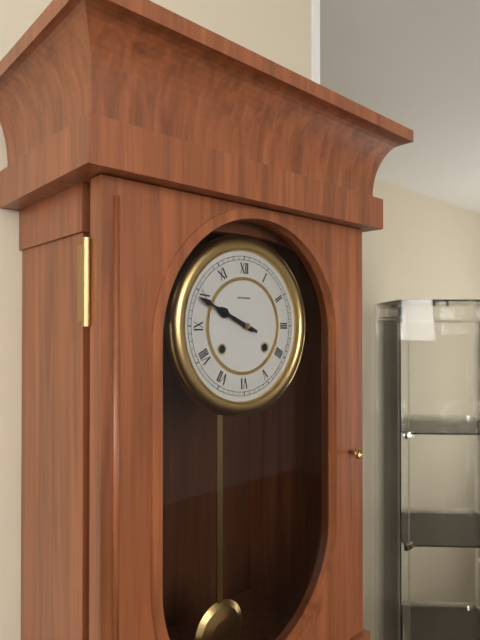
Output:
9.49
